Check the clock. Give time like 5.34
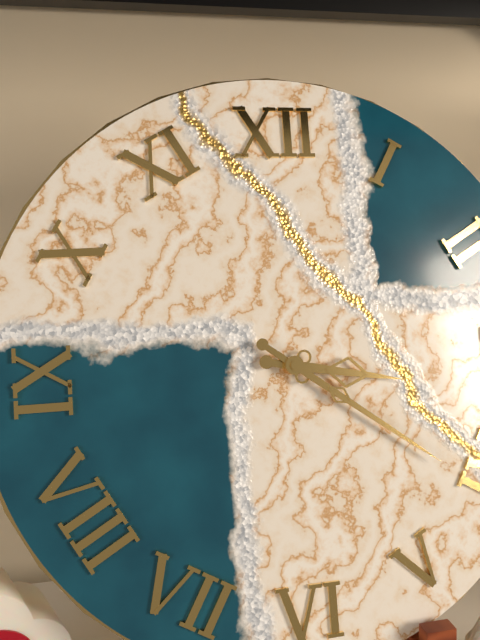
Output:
3.21
